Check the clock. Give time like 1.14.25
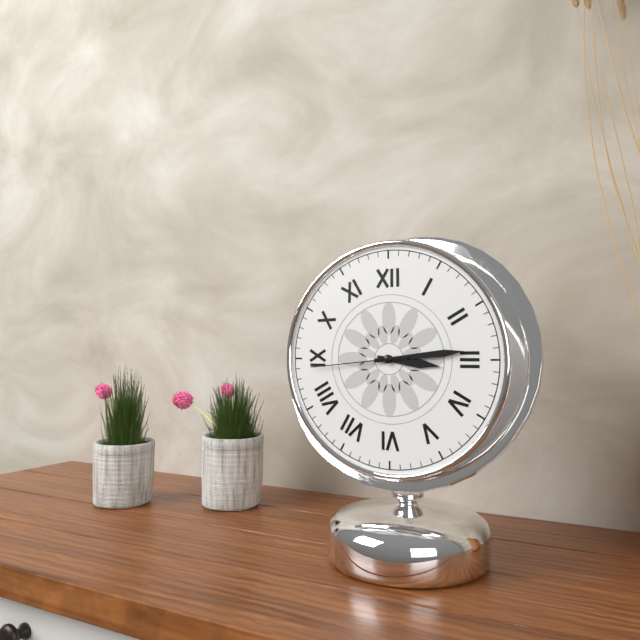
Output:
3.14.44
